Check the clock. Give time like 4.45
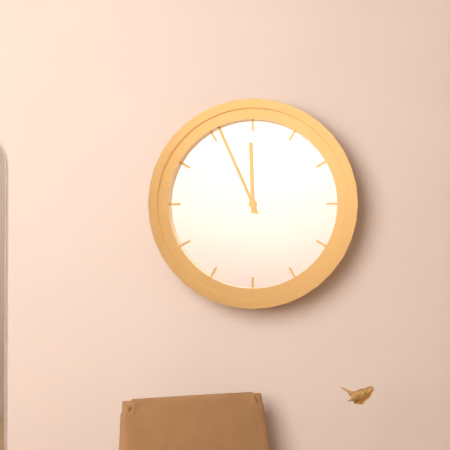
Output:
11.56
